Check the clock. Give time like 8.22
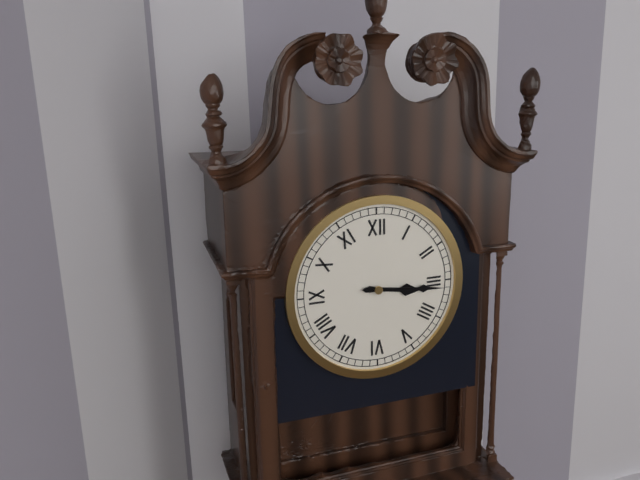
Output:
3.16
